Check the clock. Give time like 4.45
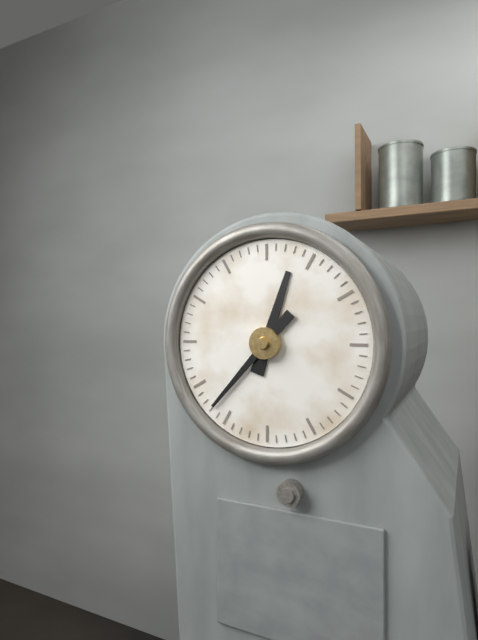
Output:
12.37
